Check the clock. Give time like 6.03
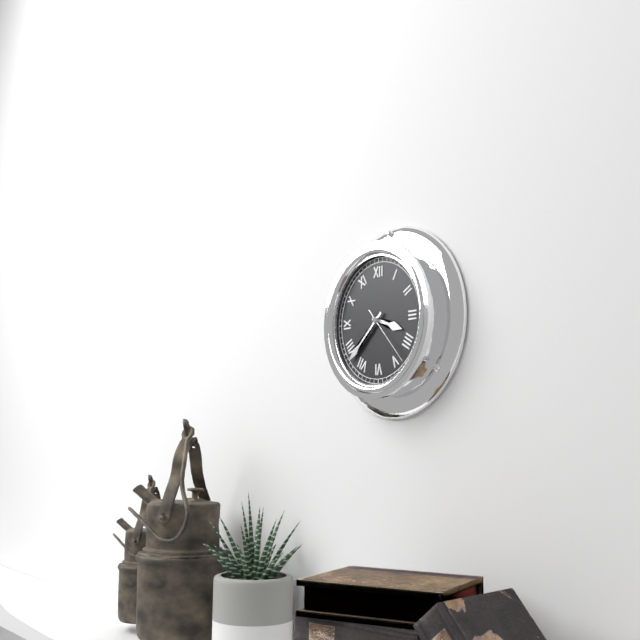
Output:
3.38
